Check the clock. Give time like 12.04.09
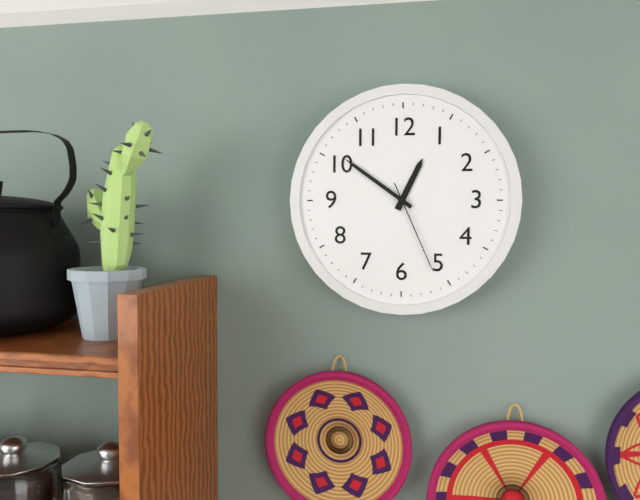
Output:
12.51.26
